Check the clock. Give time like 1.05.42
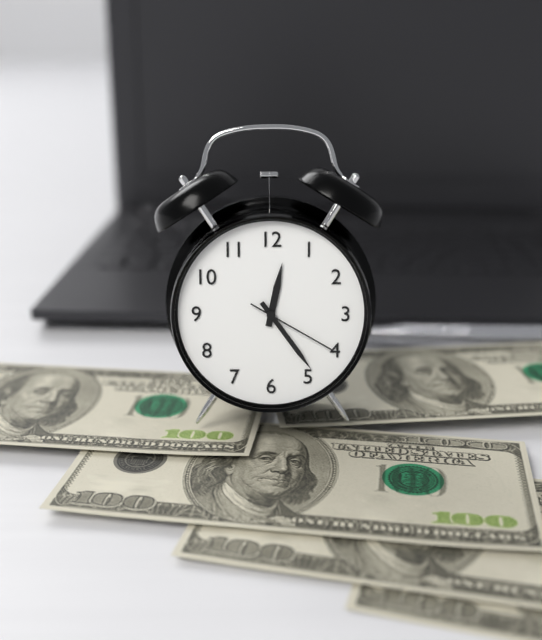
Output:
12.24.20
